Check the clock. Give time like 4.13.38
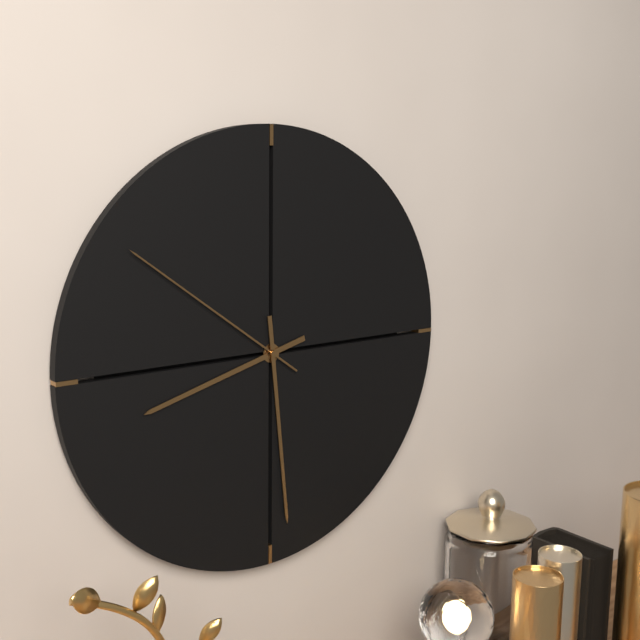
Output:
8.29.51
